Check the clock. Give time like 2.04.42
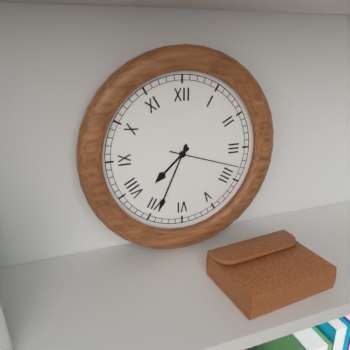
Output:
7.34.18
